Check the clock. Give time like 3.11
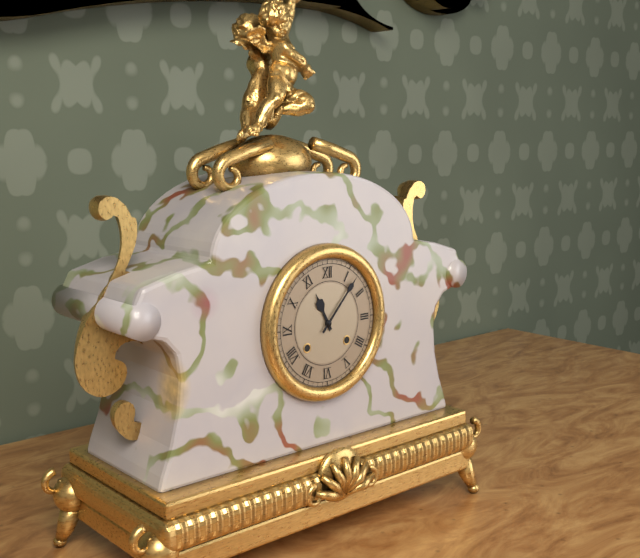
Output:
11.07
